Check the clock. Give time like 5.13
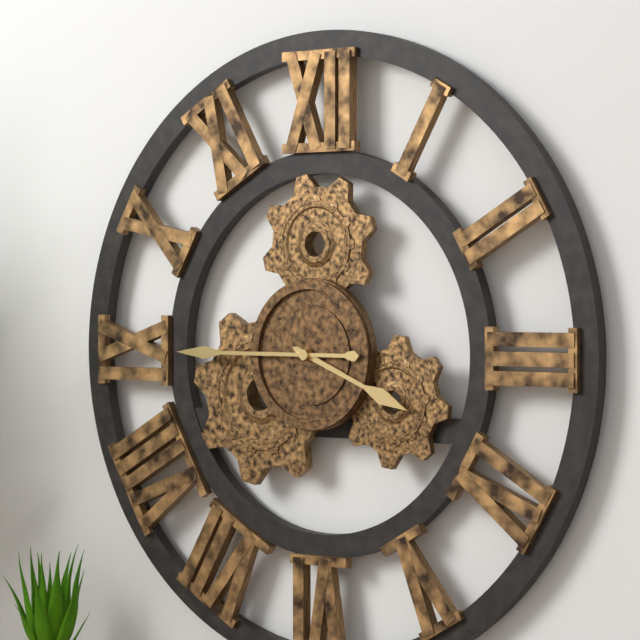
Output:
3.45
